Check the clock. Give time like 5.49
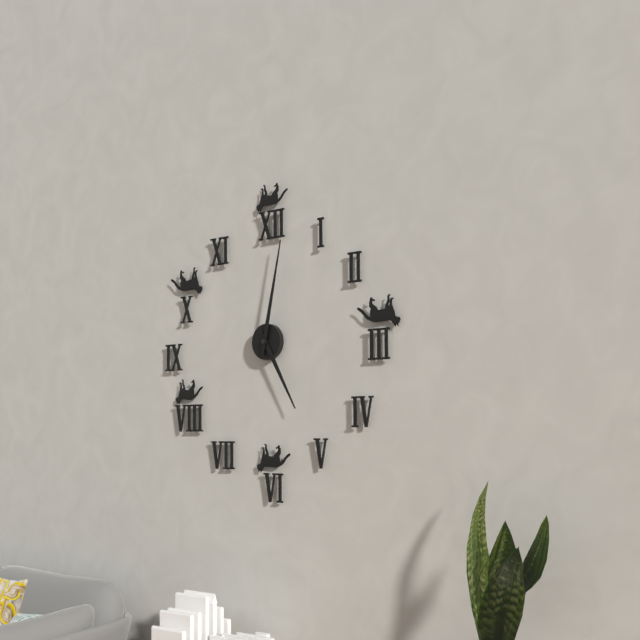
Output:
5.02
